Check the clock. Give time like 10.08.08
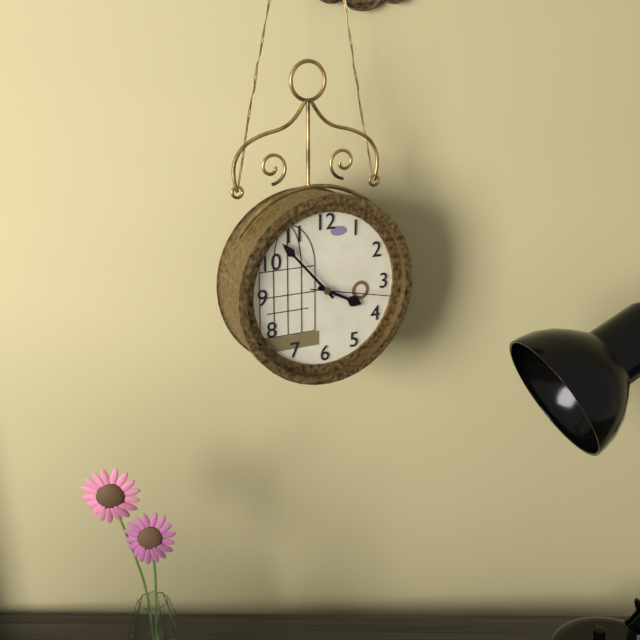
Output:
3.53.17
